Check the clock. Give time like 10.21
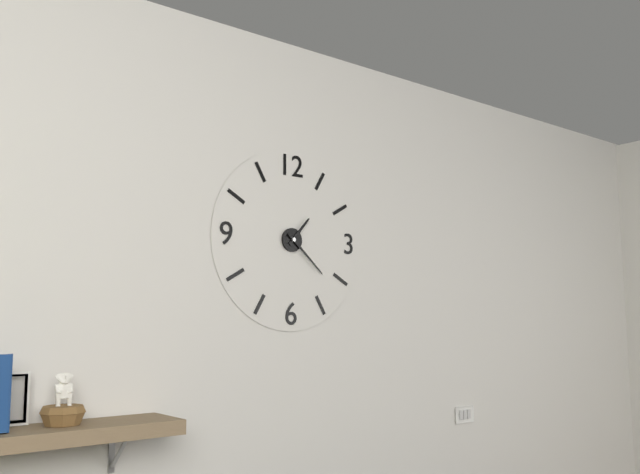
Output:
1.22
